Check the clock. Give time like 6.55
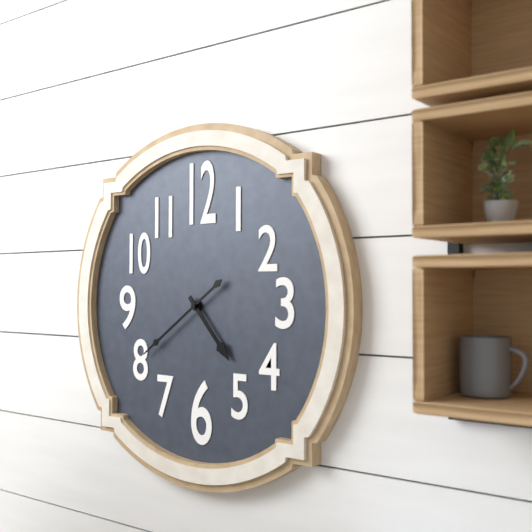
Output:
4.39
